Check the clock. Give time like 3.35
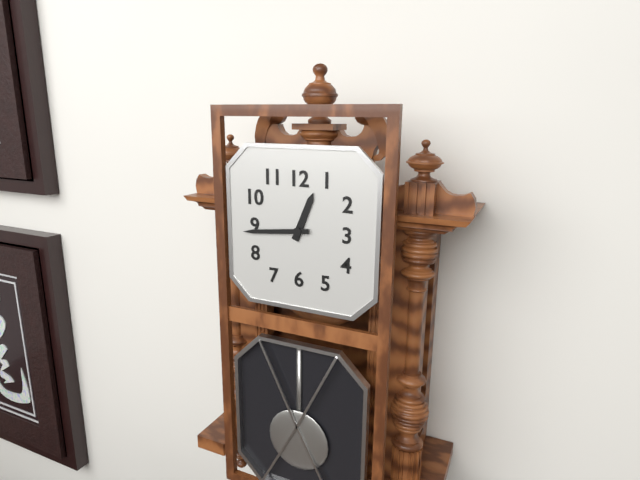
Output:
12.44
